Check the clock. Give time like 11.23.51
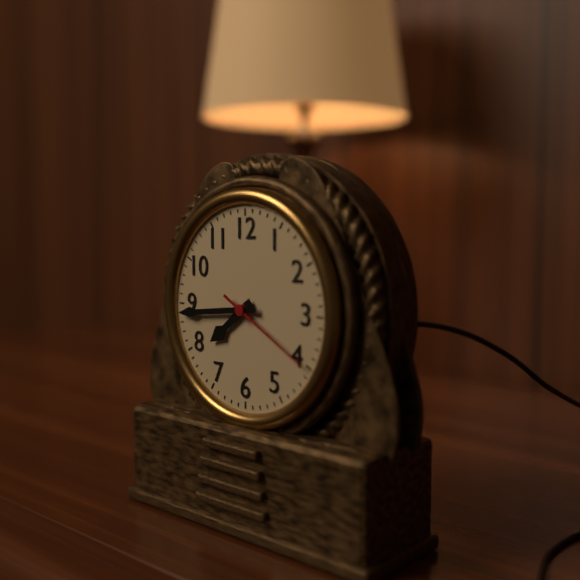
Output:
7.44.20
